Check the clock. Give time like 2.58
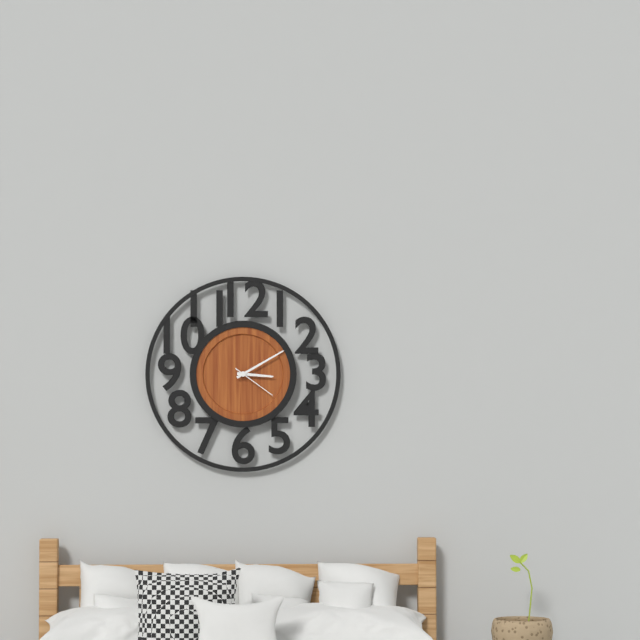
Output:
3.10
